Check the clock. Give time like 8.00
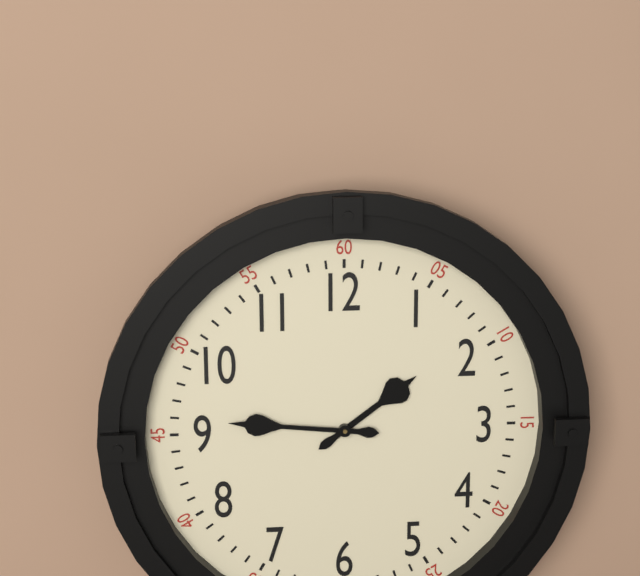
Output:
1.46
